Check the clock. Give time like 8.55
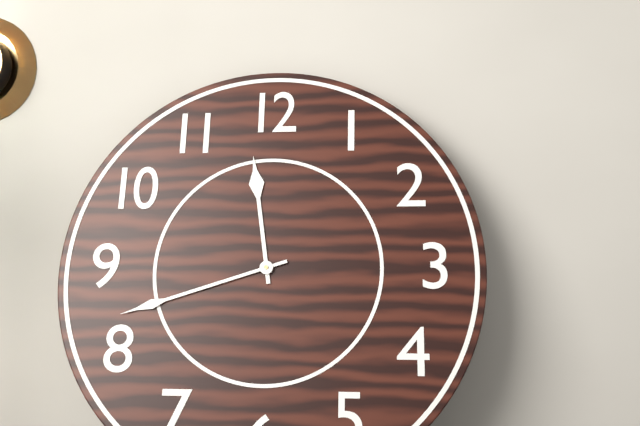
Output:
11.42
